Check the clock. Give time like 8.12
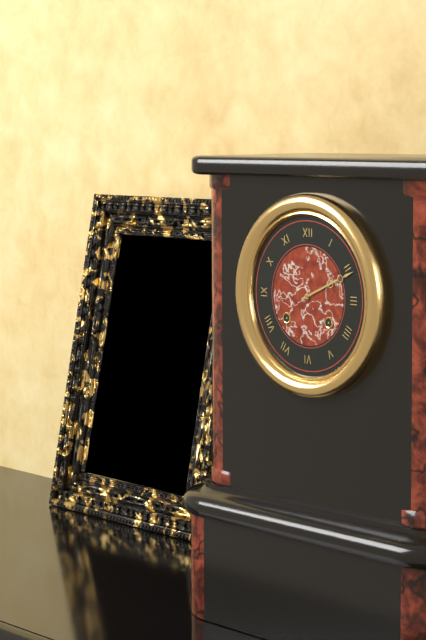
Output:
2.11
